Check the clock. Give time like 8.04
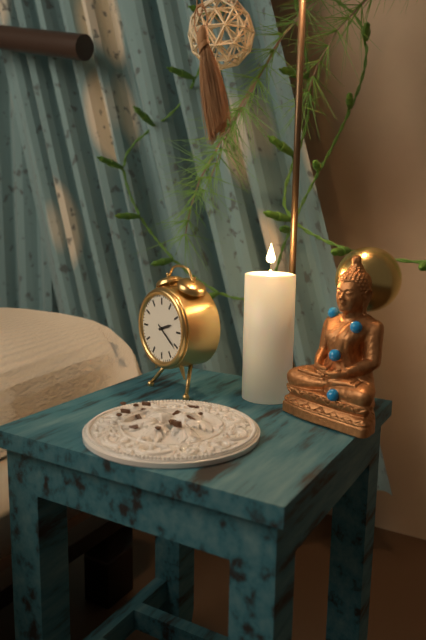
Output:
2.21
